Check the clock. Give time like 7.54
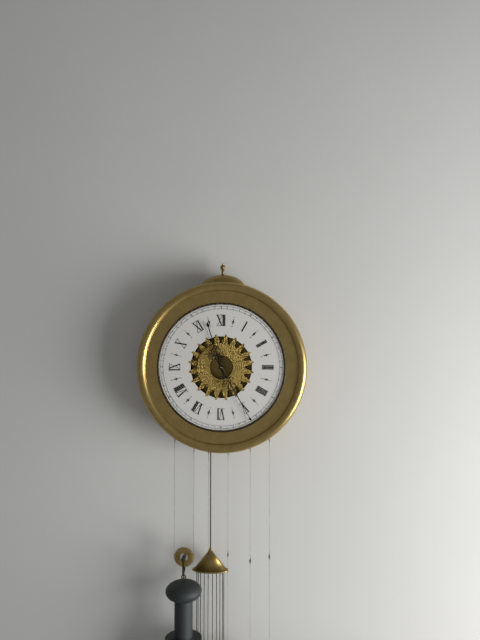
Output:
11.25
